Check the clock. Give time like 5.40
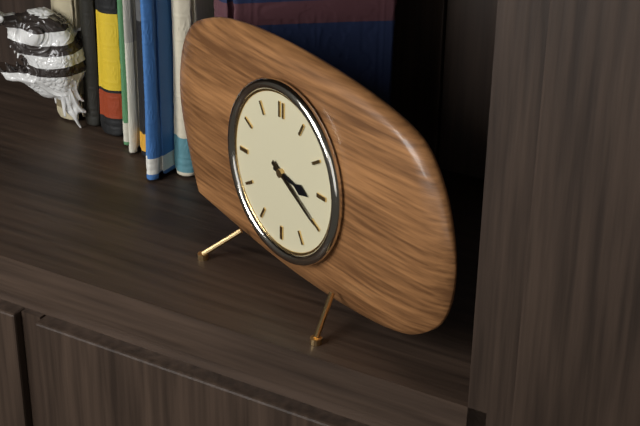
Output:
3.20
